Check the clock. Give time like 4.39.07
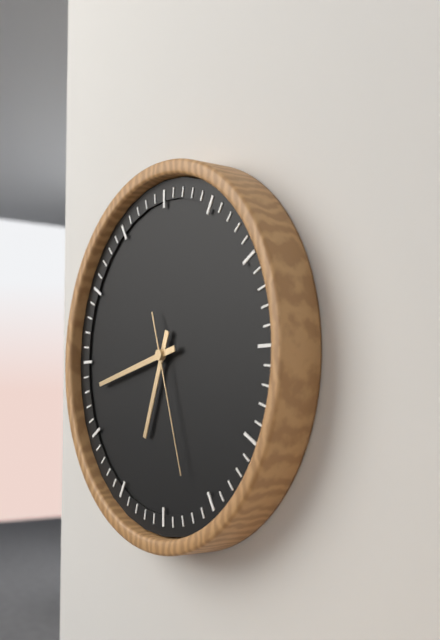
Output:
6.43.27
